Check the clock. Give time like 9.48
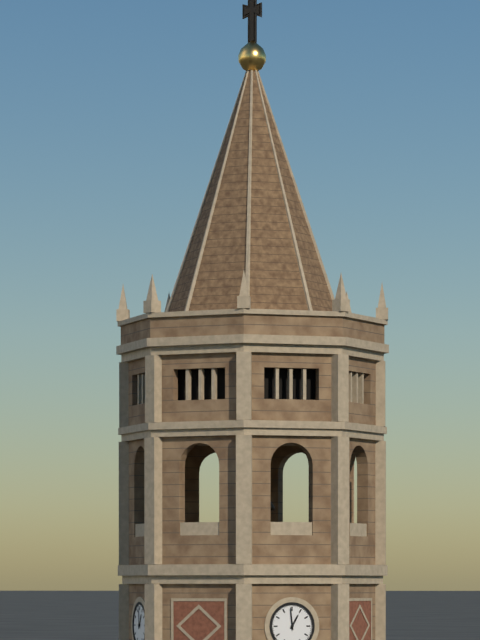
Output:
12.59
